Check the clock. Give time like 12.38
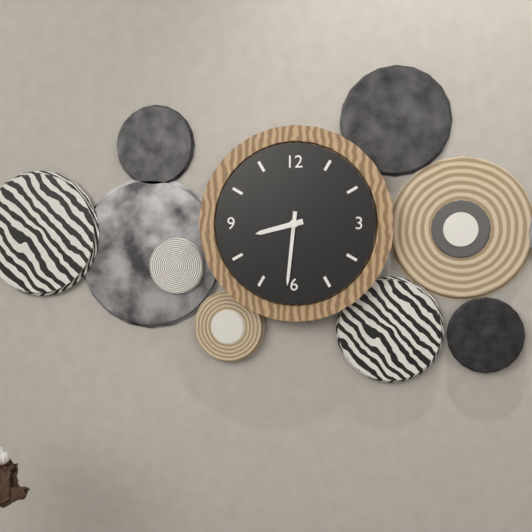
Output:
8.31
